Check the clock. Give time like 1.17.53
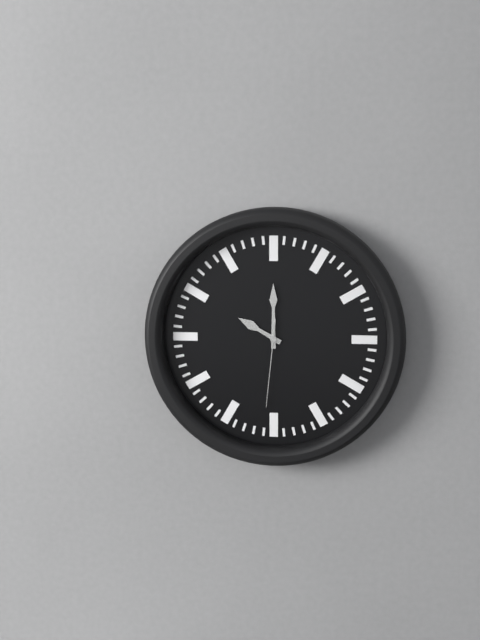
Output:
10.00.31
